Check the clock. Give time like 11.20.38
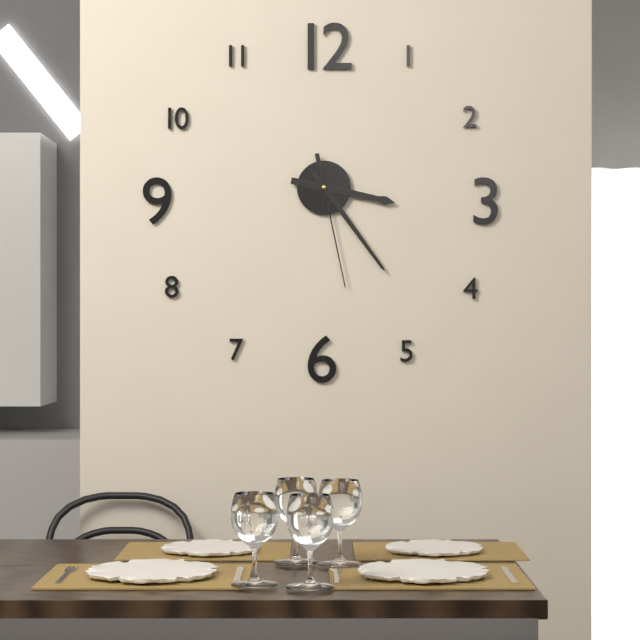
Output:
3.24.28
